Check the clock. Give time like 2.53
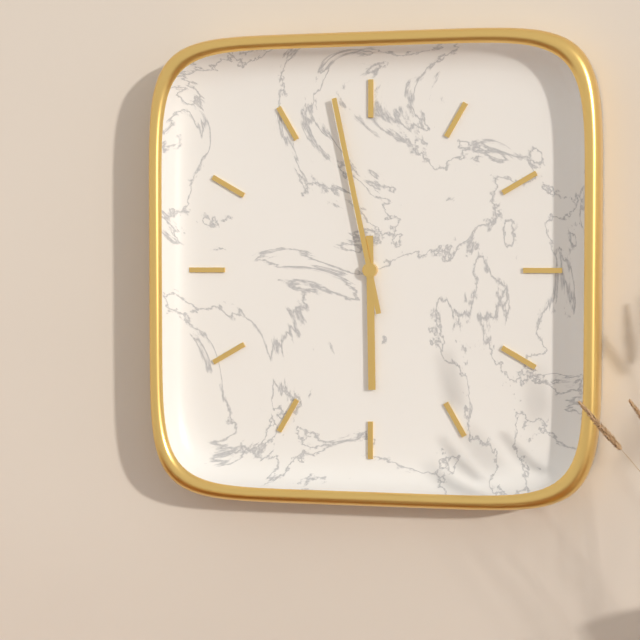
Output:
5.58
